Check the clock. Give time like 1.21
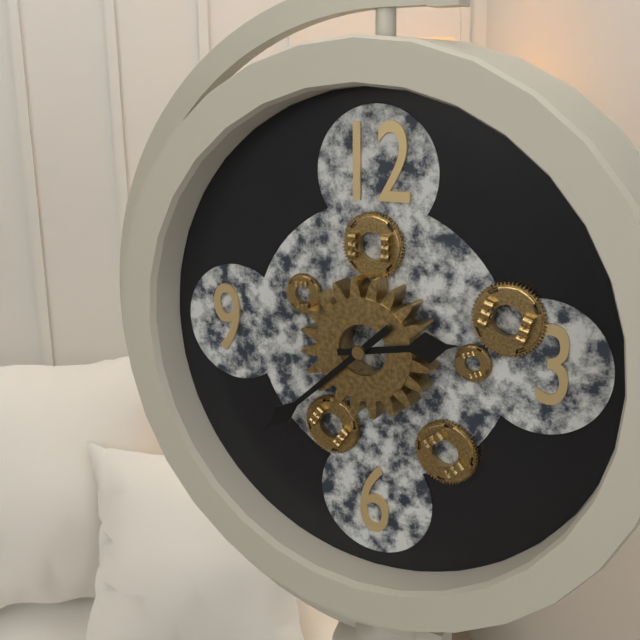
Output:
2.38
